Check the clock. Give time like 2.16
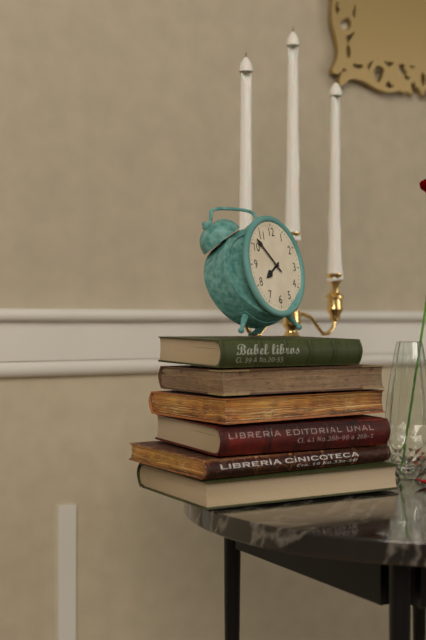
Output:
7.52
